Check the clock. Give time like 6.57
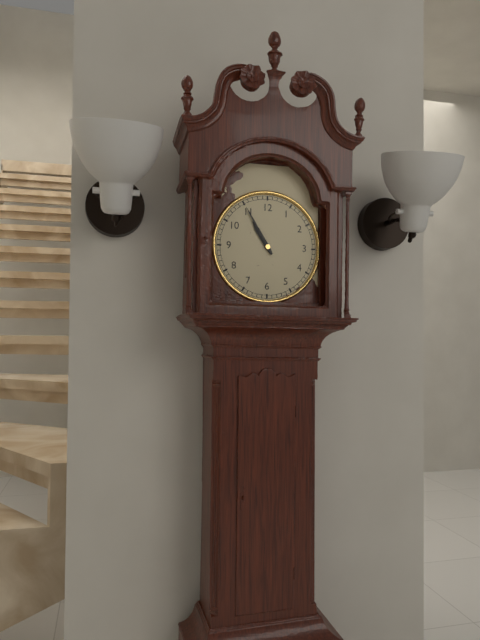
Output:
10.55
